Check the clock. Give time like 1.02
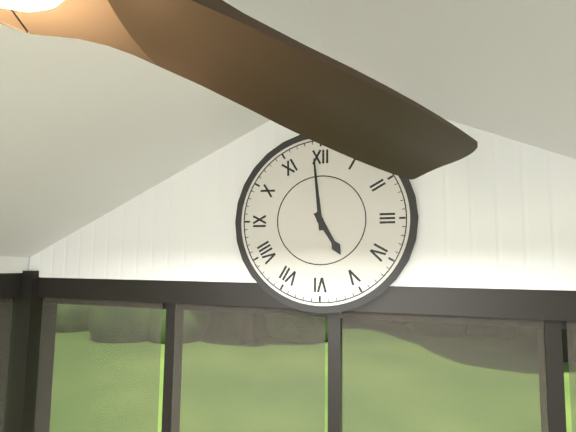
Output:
4.59
